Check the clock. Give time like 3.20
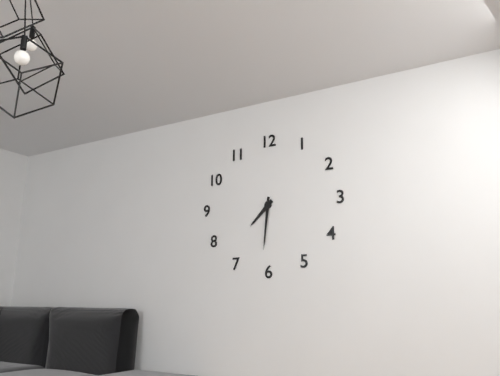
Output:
7.31
